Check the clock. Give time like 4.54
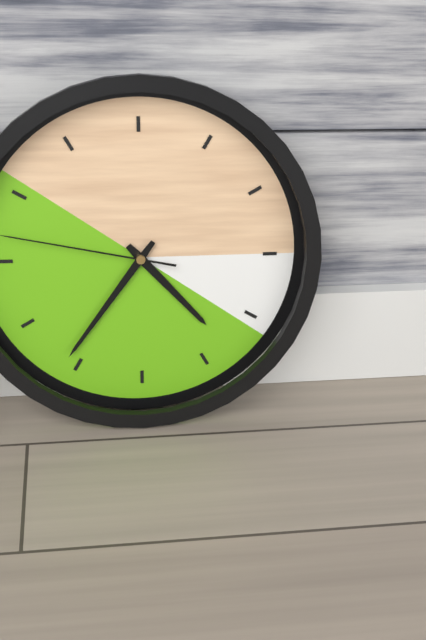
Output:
4.36
